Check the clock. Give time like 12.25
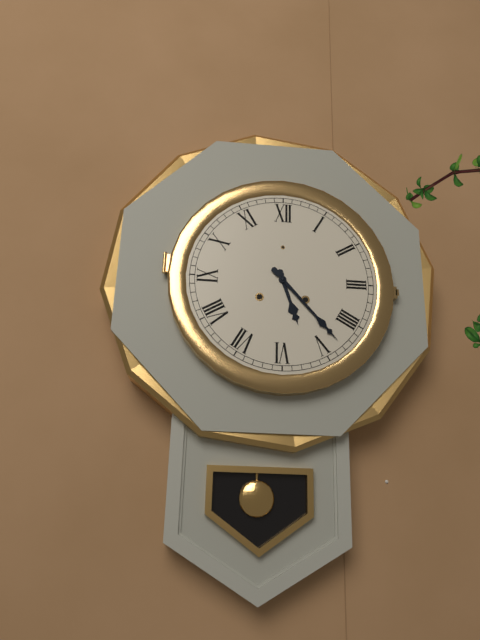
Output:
5.23
